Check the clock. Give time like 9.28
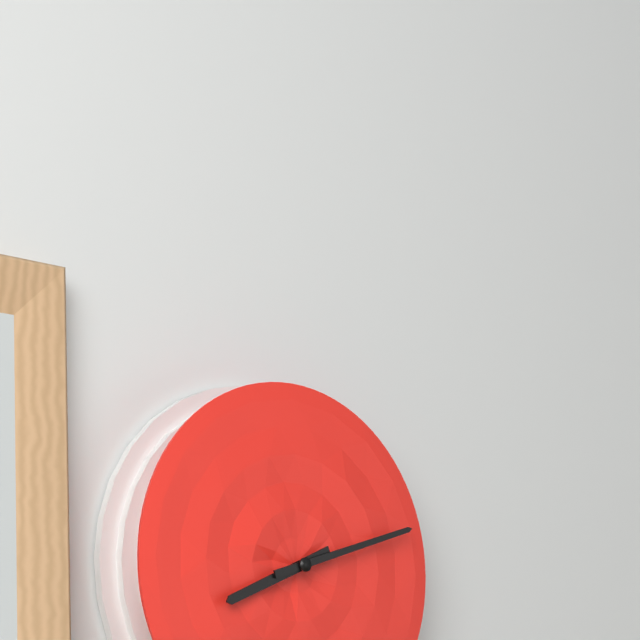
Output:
8.12
